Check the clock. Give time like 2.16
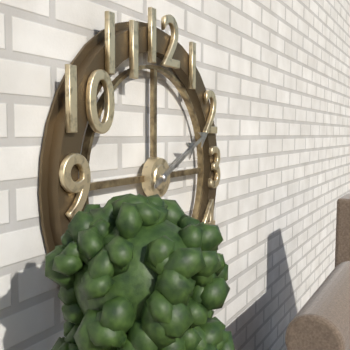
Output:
2.11
